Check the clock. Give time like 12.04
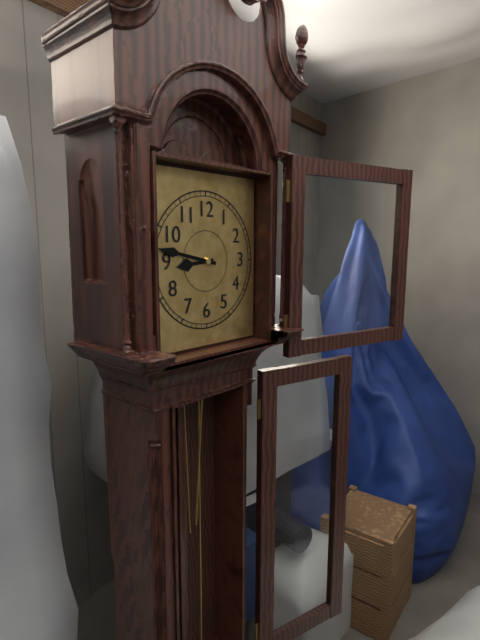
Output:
8.47
